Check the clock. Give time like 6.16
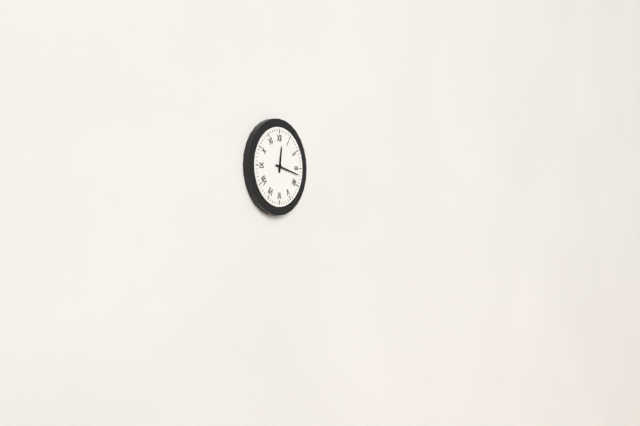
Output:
12.17
